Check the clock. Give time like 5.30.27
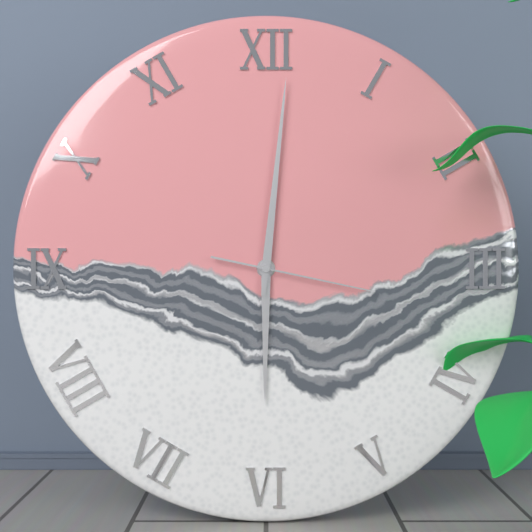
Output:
6.01.17
